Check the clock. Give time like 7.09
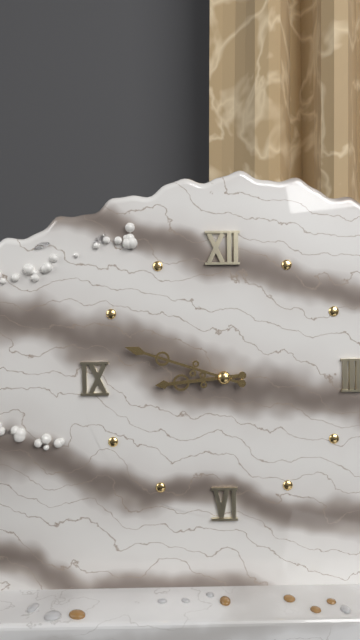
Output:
8.48
